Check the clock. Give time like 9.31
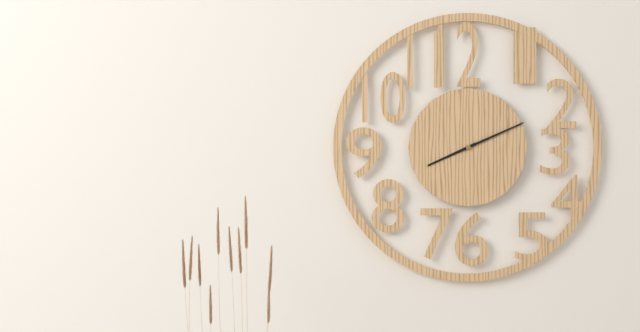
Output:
8.11
